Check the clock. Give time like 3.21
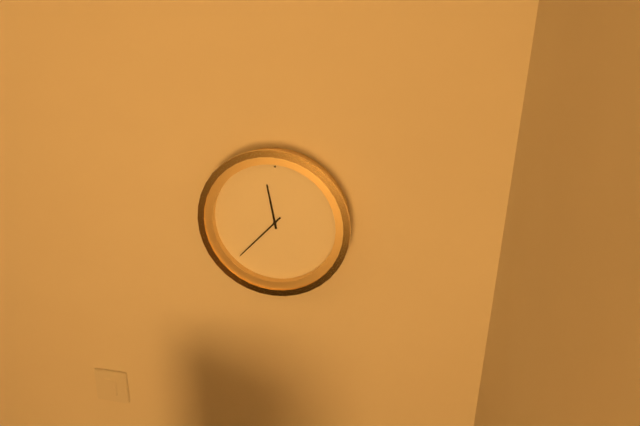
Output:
11.37
